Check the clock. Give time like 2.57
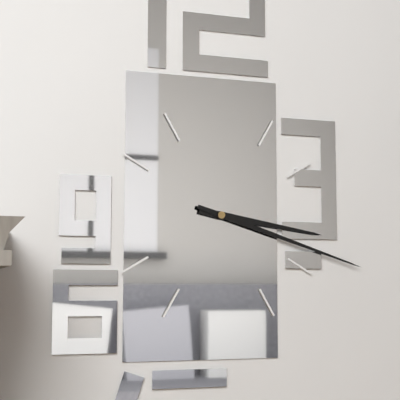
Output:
3.18
